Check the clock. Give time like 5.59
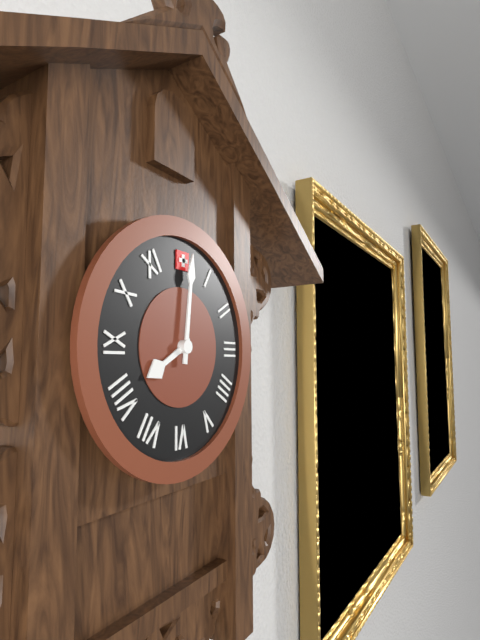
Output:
8.01
